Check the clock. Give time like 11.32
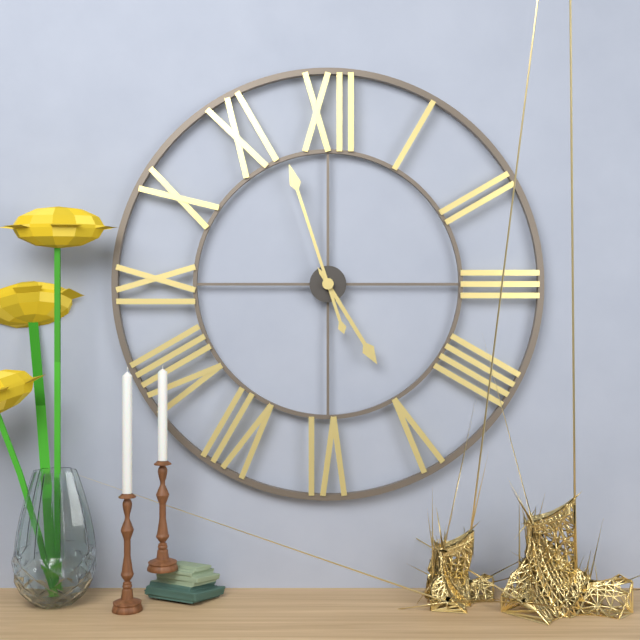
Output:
4.57
